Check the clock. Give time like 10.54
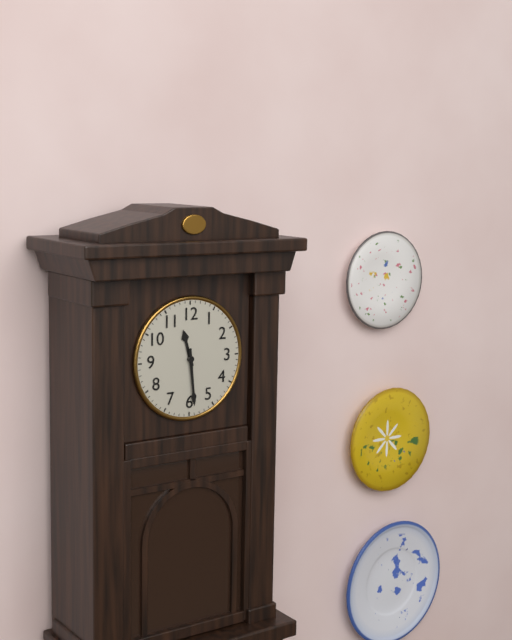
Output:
11.29
